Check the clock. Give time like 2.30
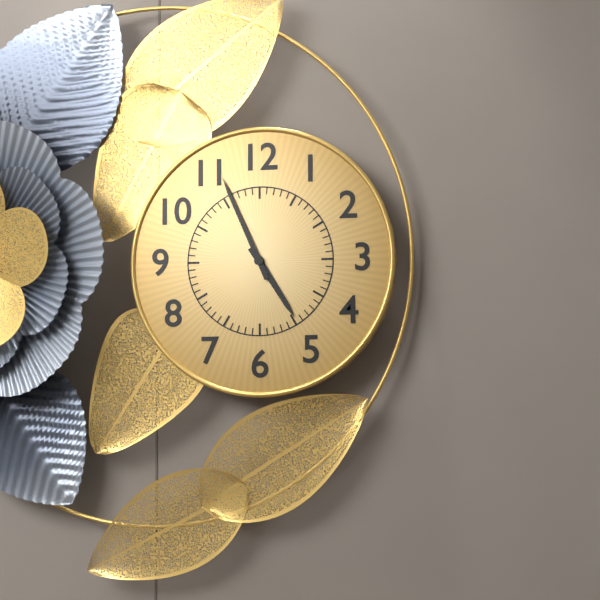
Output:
4.56
